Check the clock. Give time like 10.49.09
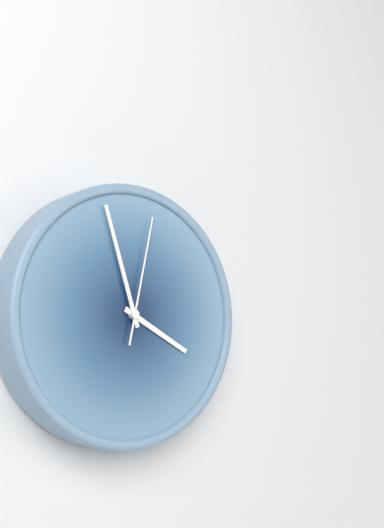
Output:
3.57.02
